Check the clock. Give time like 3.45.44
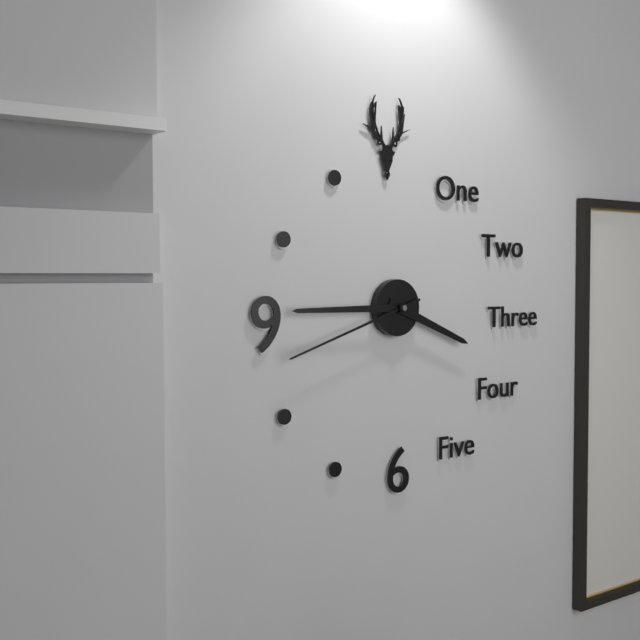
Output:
3.45.42
